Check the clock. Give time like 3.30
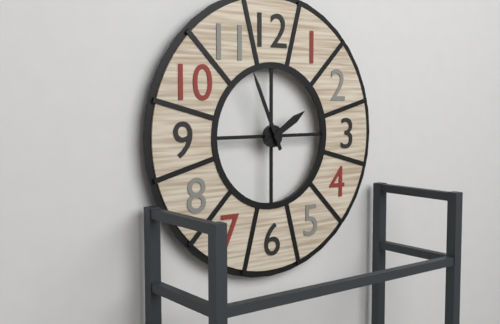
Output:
1.56
